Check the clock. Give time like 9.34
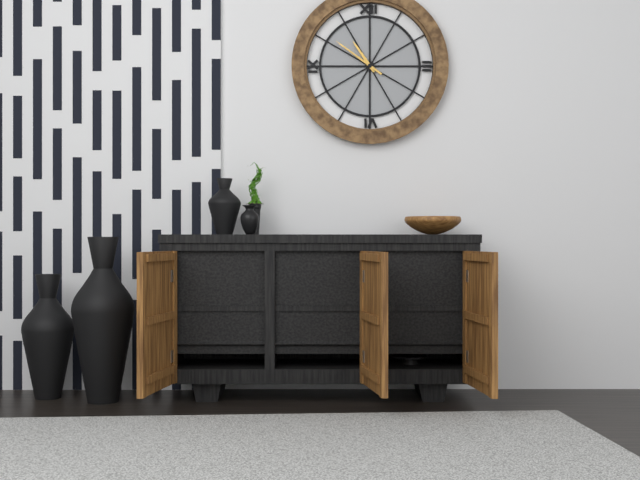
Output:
10.51
